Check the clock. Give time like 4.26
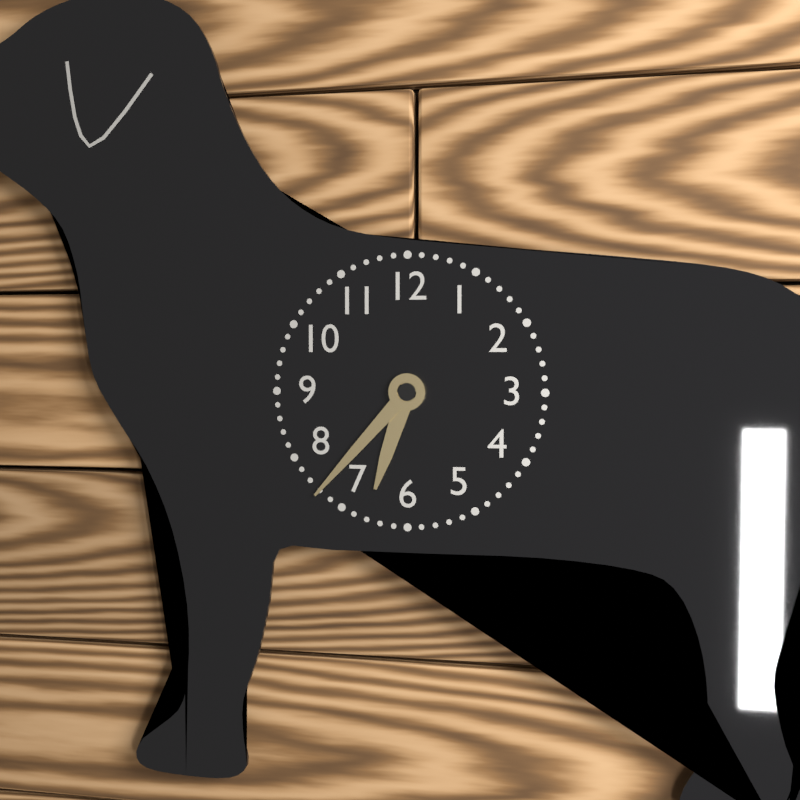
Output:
6.37
